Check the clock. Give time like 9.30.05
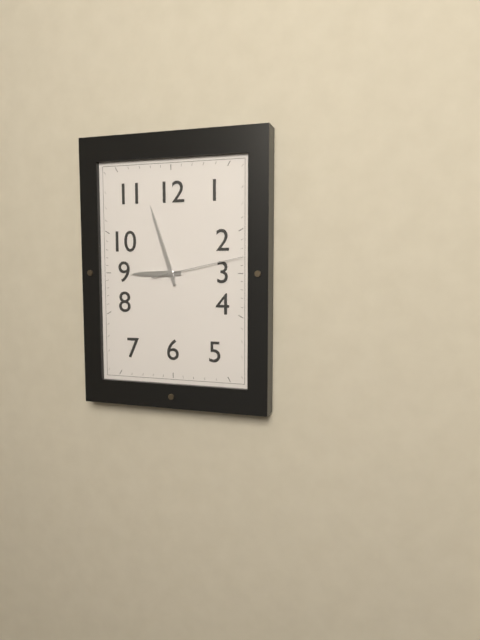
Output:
8.57.13
